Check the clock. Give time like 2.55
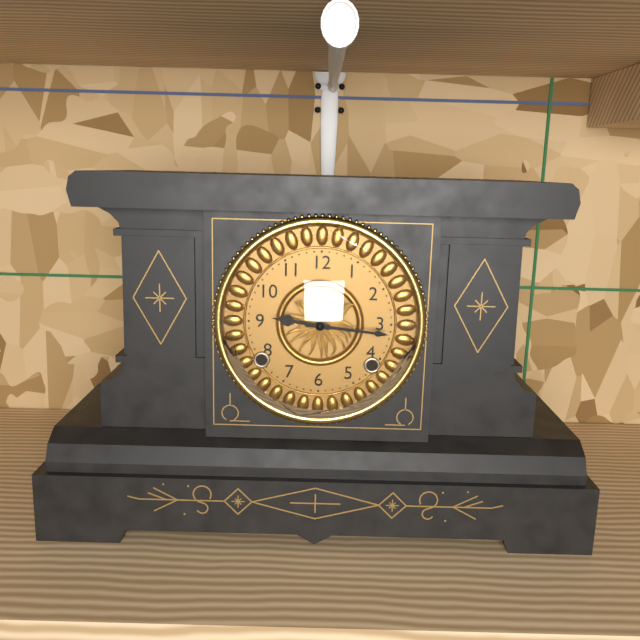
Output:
9.16
